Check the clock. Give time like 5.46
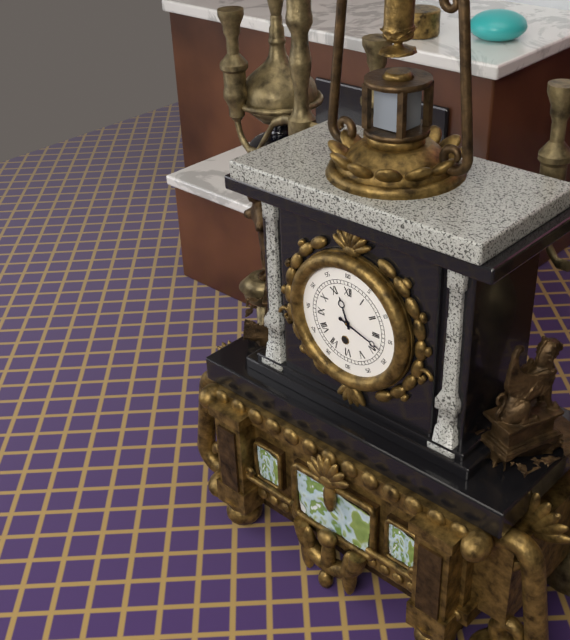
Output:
11.18
